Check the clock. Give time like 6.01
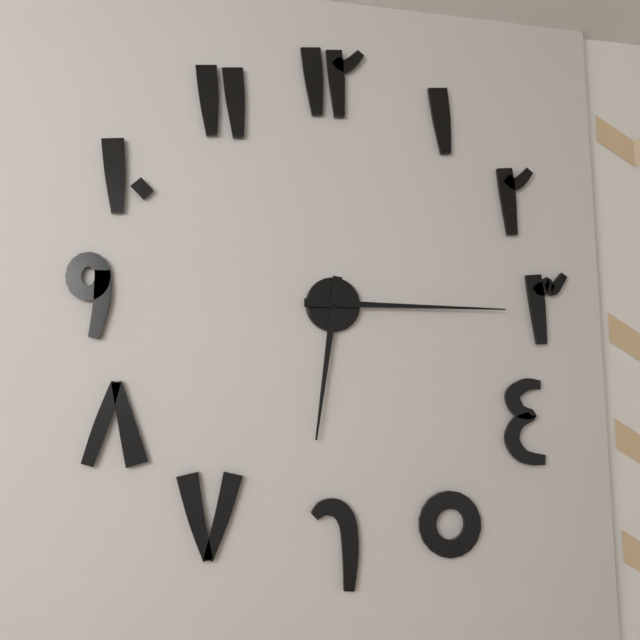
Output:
6.15
